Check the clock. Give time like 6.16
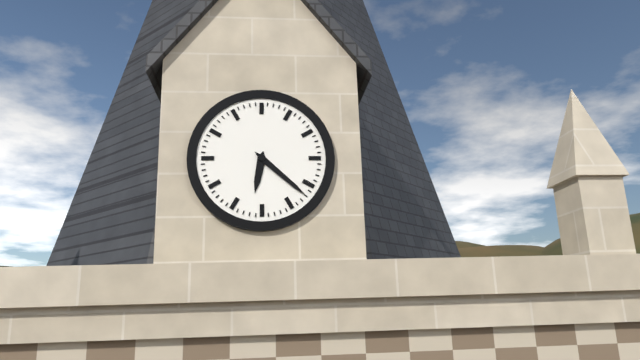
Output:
6.22
